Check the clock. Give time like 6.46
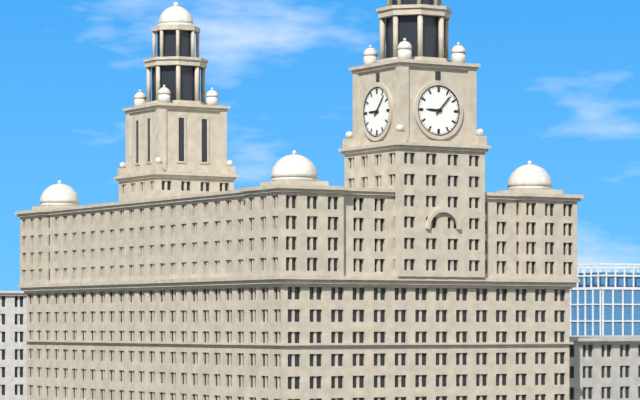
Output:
9.07
